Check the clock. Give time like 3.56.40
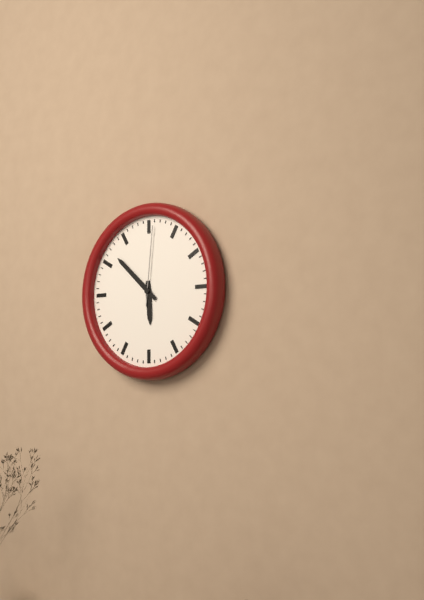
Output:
5.52.01
